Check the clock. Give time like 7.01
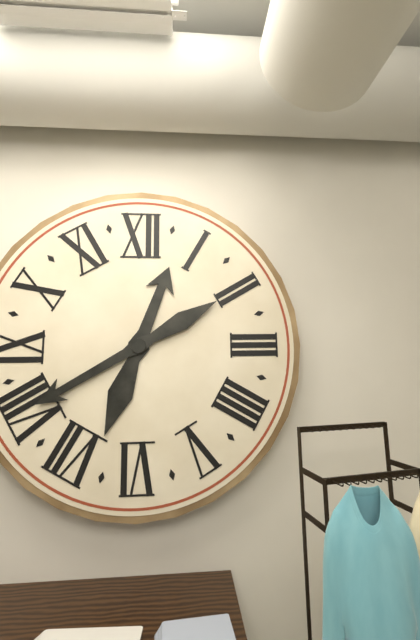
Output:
12.40
